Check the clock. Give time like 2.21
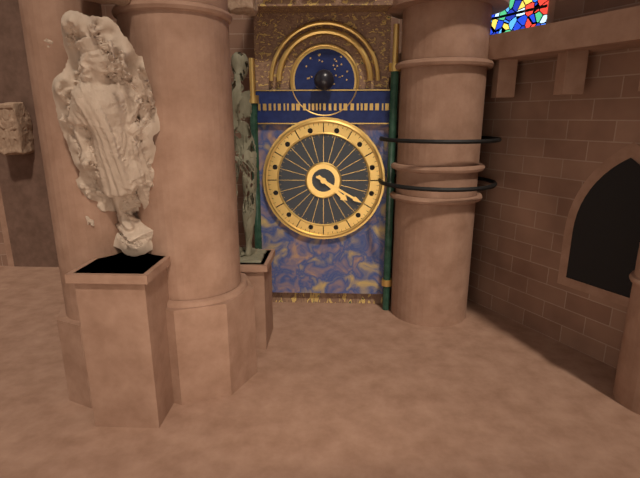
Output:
4.20
